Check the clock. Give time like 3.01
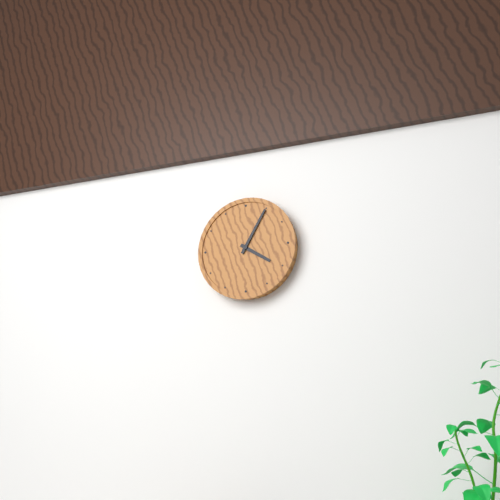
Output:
4.05
